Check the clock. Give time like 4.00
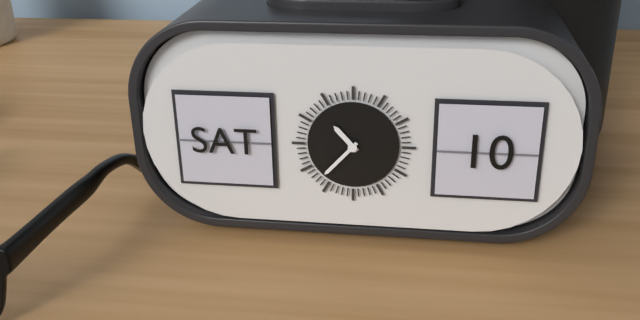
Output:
10.37
